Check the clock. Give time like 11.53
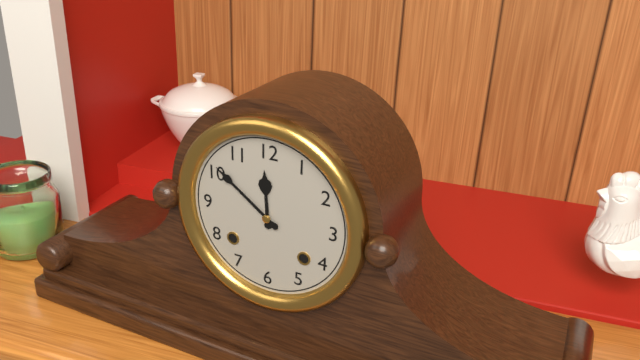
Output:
11.51
